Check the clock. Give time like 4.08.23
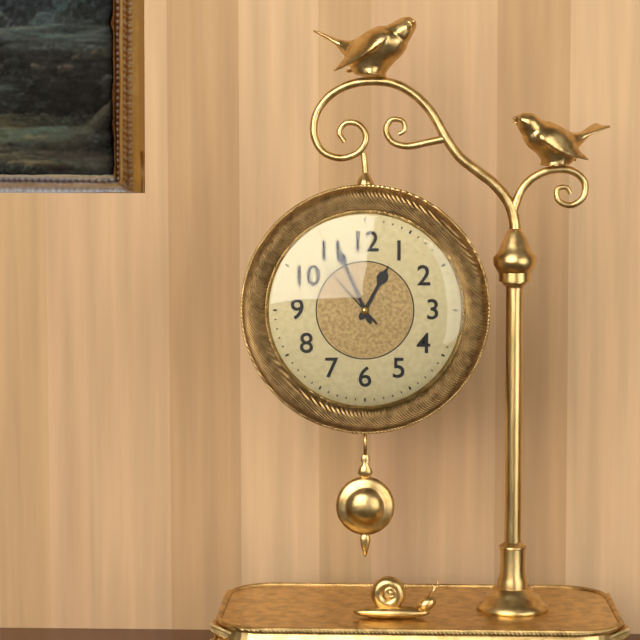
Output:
12.56.53
